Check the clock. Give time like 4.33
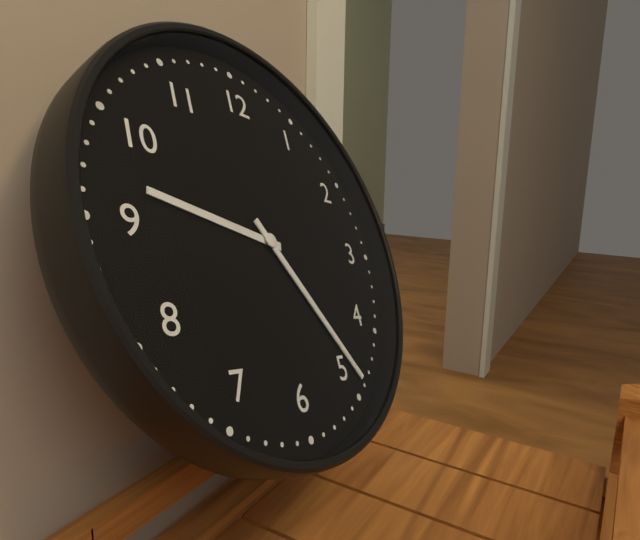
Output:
9.24
